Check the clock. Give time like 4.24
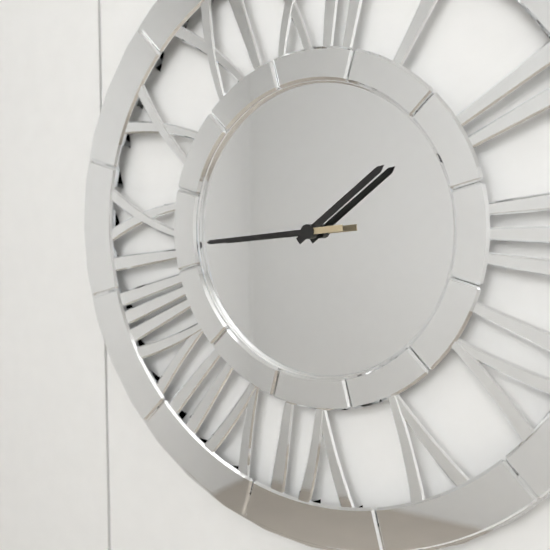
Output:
1.44
